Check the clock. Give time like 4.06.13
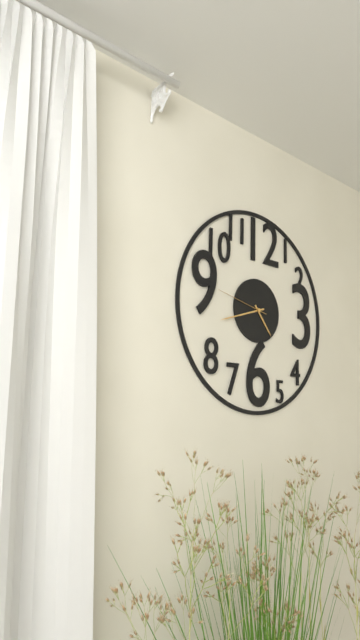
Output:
4.42.47
